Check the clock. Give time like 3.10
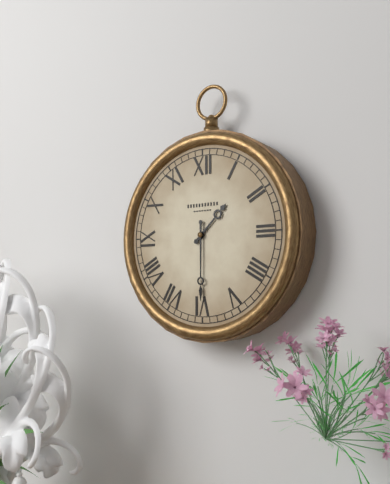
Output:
1.30
